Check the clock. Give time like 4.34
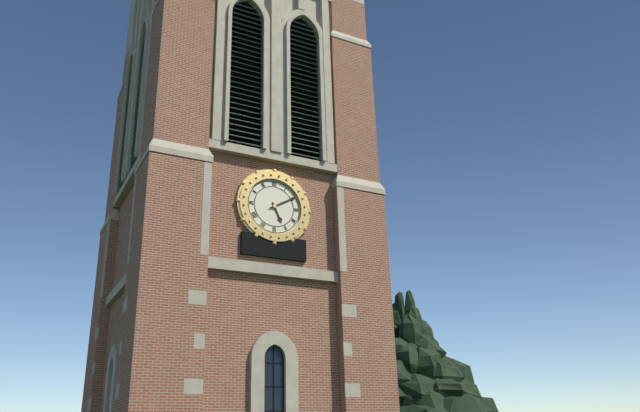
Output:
5.10
